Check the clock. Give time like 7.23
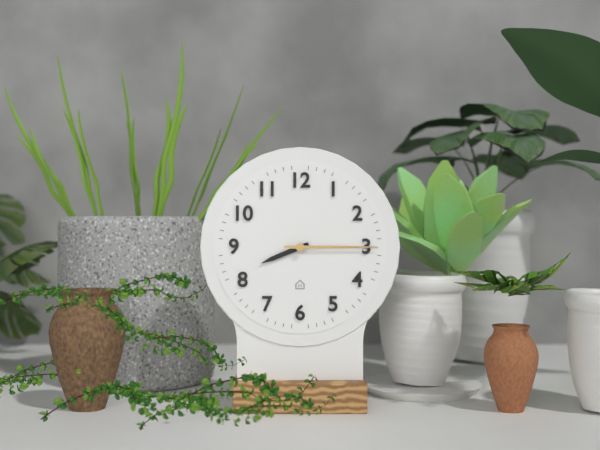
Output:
8.15
